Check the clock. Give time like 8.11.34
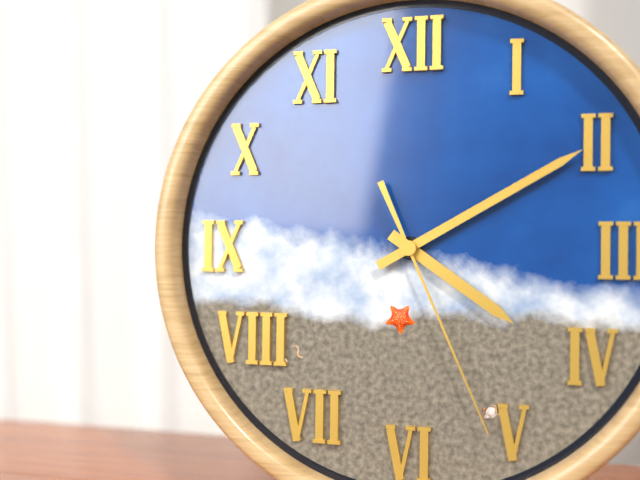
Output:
4.10.26
